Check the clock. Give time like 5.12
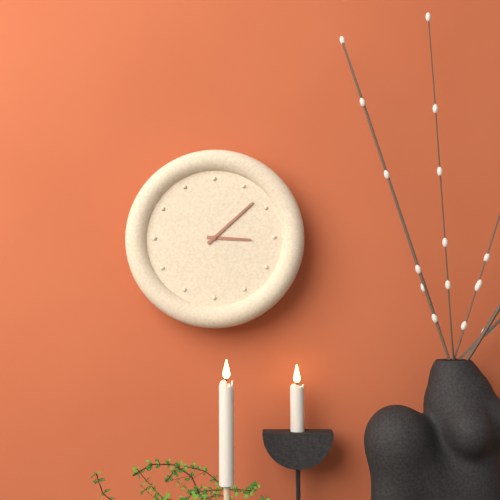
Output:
3.08
